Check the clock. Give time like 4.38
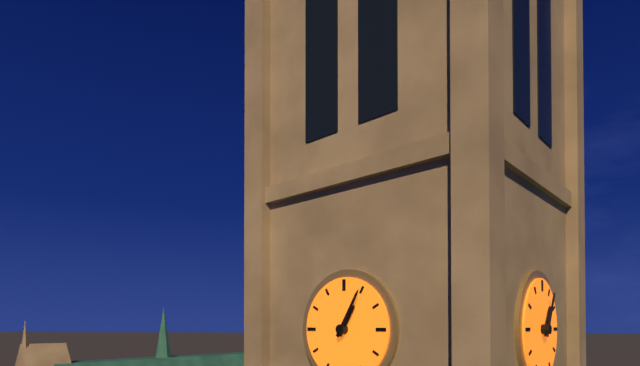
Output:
1.05
